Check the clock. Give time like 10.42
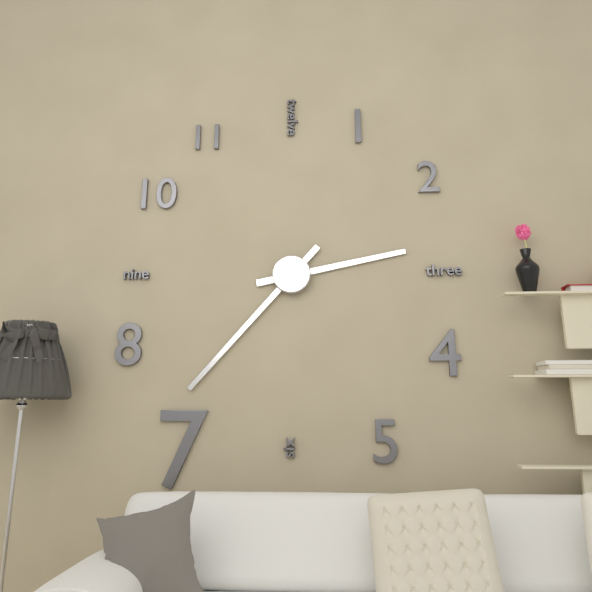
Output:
2.37
